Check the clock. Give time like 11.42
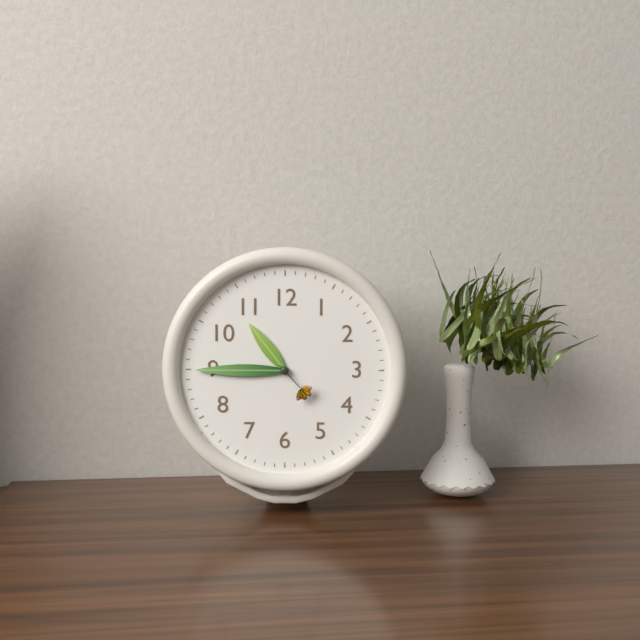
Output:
10.45
